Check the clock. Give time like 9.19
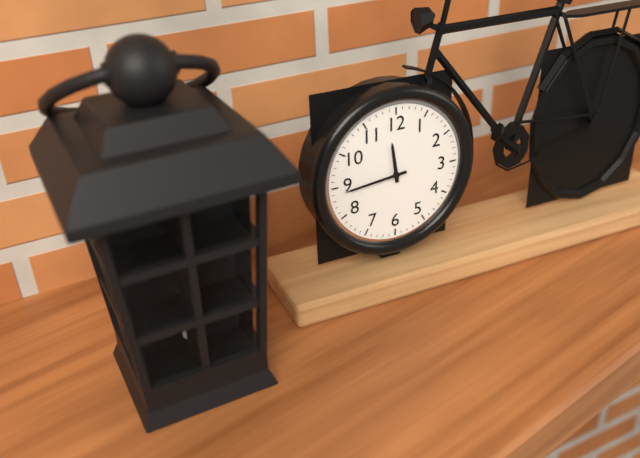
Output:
11.44
